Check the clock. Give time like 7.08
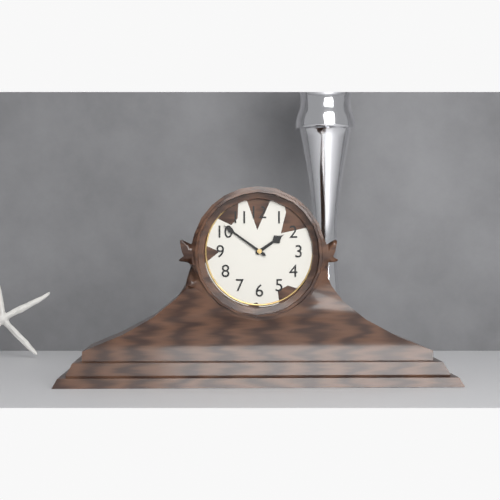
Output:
1.51
